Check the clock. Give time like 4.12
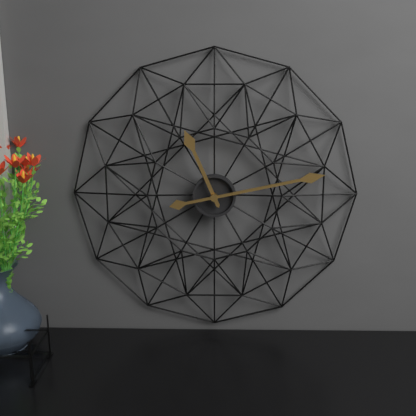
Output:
11.13
